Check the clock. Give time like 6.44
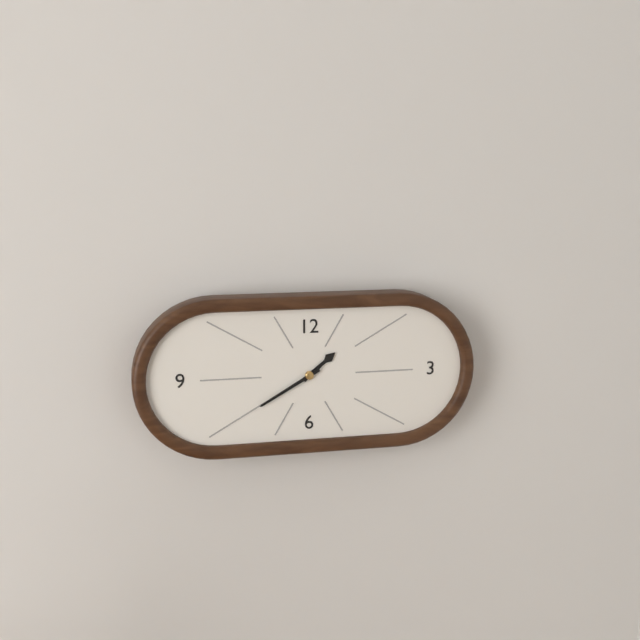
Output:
1.40
